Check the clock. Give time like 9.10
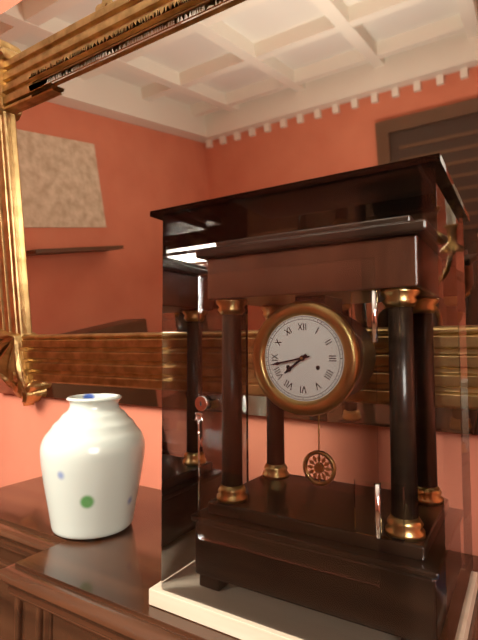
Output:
7.43
